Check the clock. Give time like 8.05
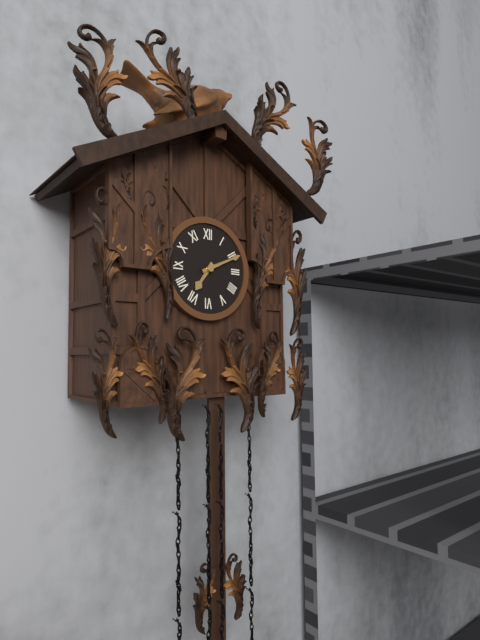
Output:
7.11
